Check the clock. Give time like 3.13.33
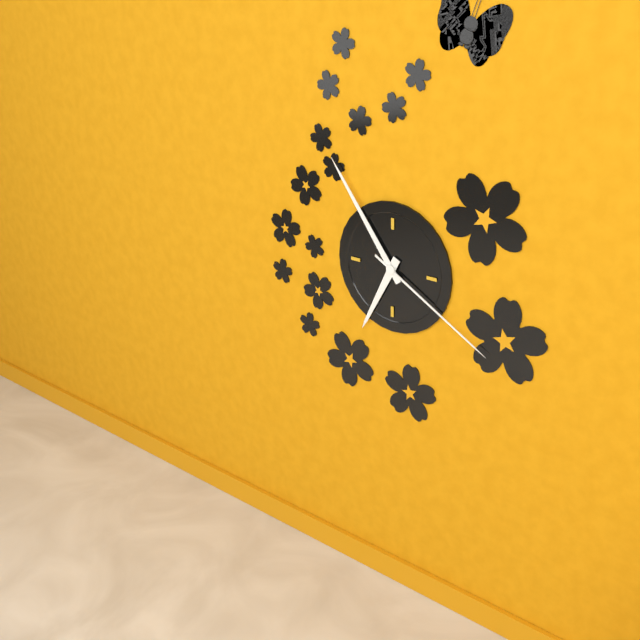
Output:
6.54.20
